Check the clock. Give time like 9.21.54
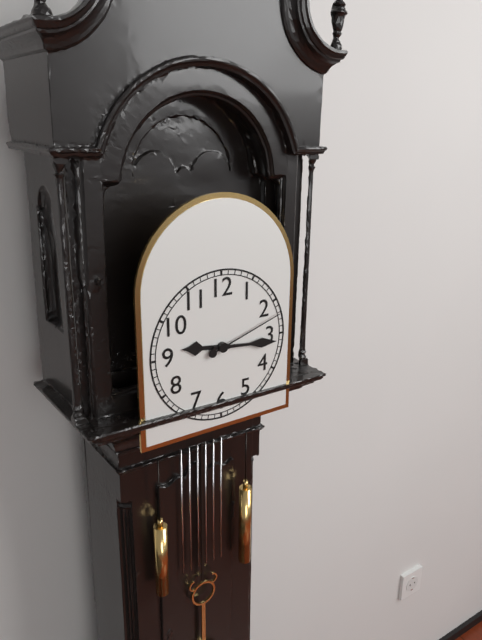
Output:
9.16.12
